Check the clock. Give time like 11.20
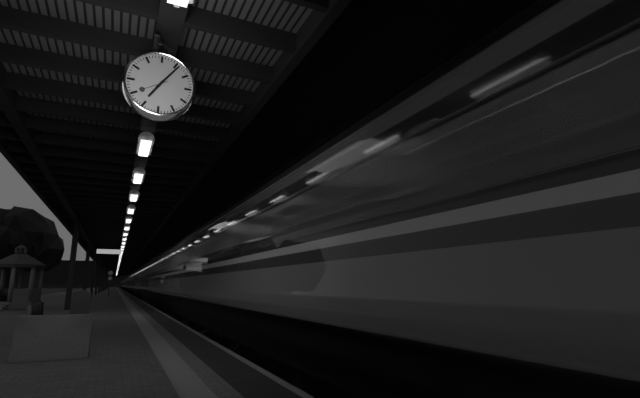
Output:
7.06
